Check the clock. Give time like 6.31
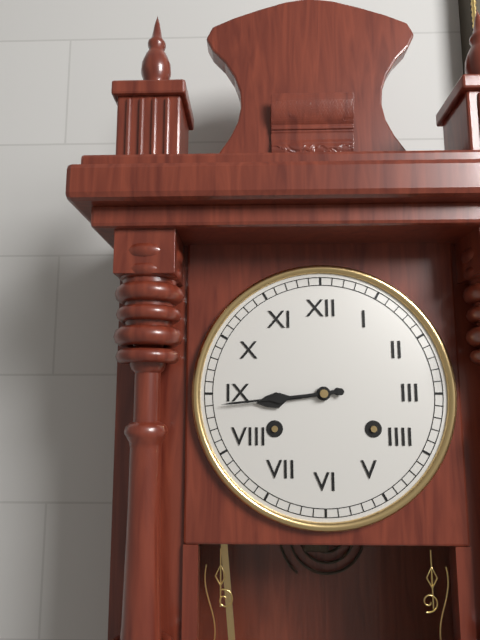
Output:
8.44
